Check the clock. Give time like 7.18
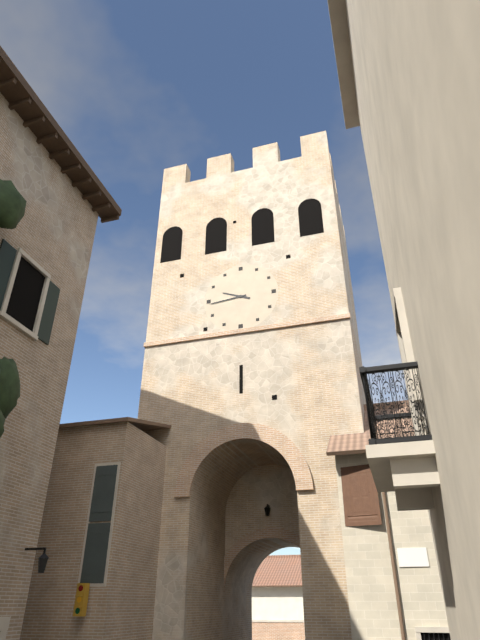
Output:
9.44
